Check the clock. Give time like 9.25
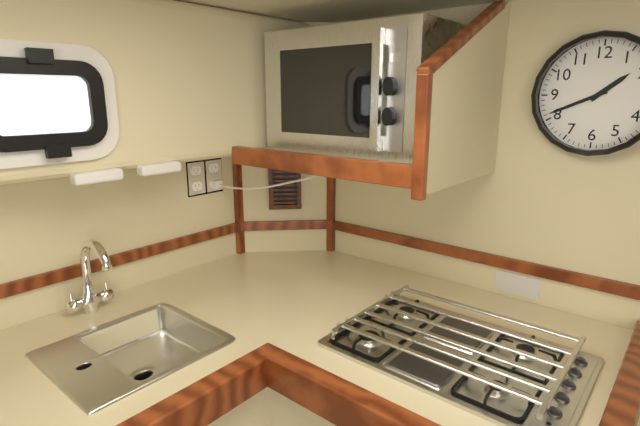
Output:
1.41
